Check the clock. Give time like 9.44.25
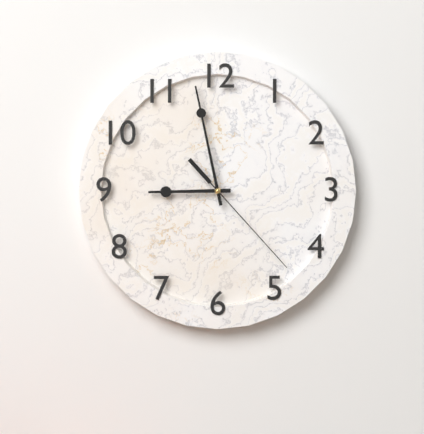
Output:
8.58.23
